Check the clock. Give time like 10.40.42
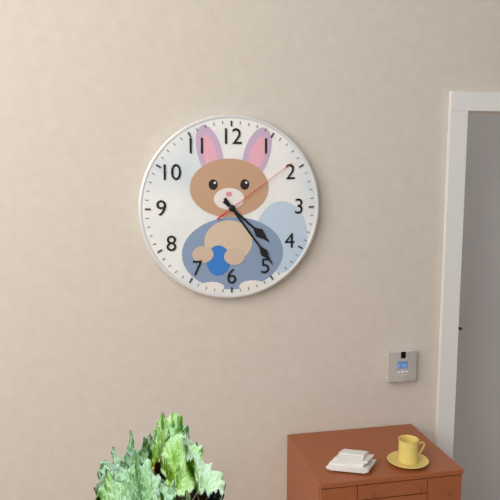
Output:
4.24.09
